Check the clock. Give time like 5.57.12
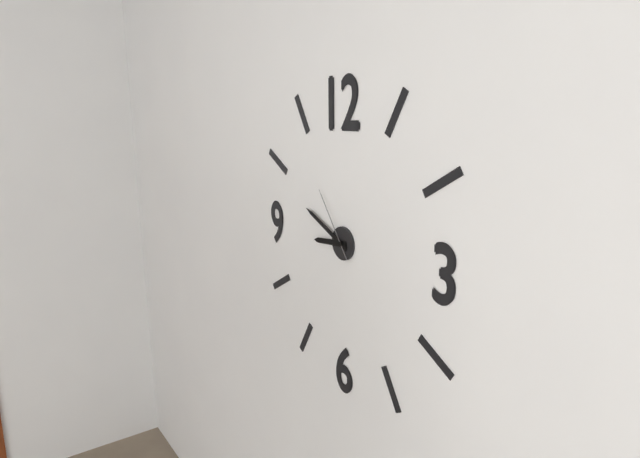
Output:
8.49.54
